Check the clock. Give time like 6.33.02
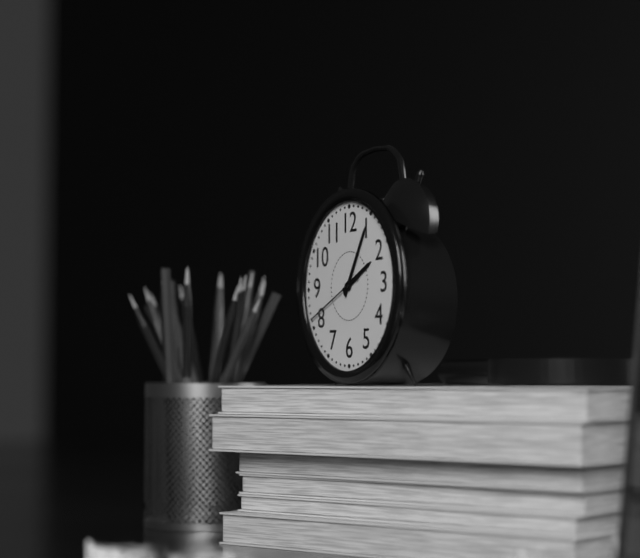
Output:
2.05.41
